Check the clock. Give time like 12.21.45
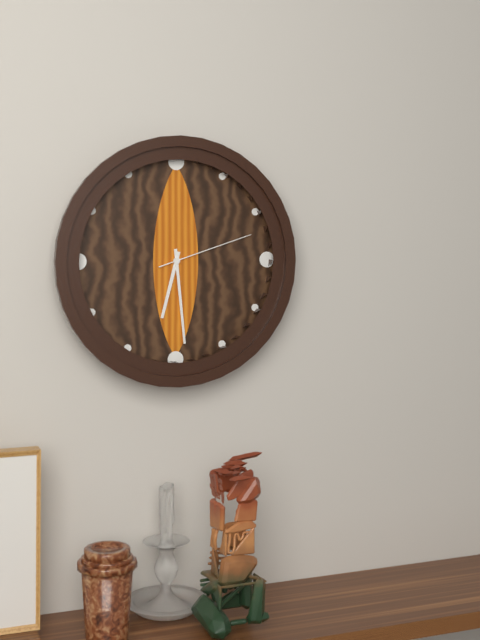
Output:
6.29.12
